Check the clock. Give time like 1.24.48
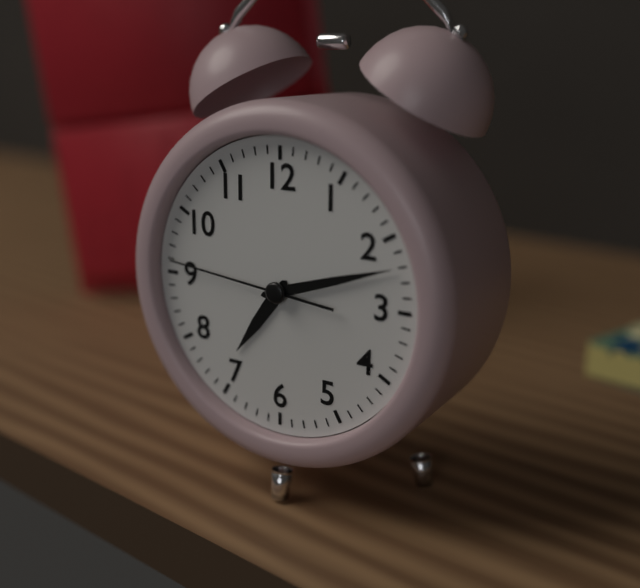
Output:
7.12.46
